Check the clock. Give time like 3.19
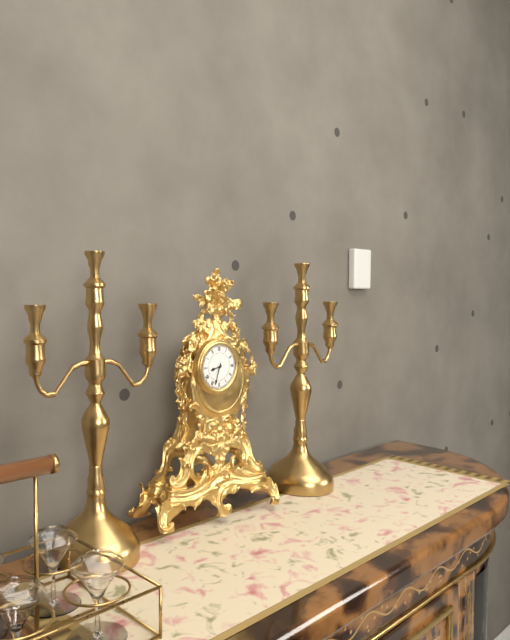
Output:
8.33
